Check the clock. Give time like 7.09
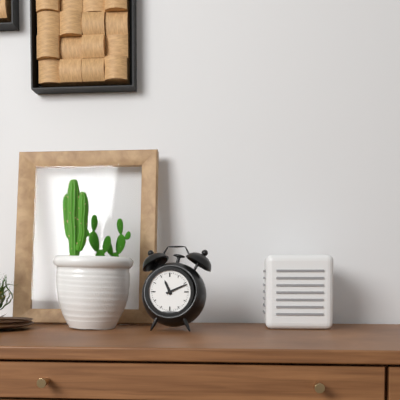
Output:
11.11
